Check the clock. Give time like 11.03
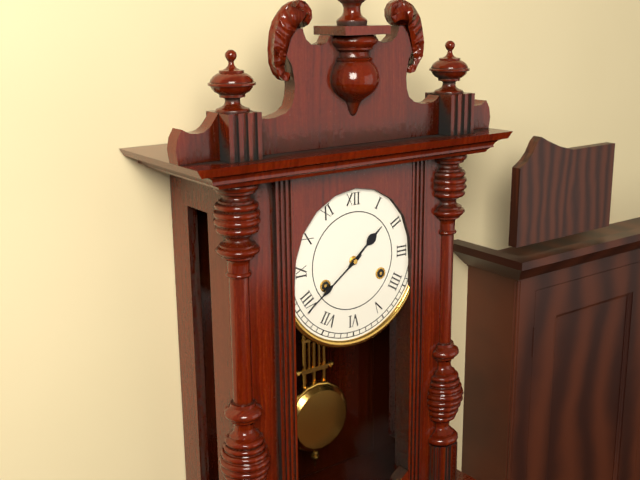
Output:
1.39
